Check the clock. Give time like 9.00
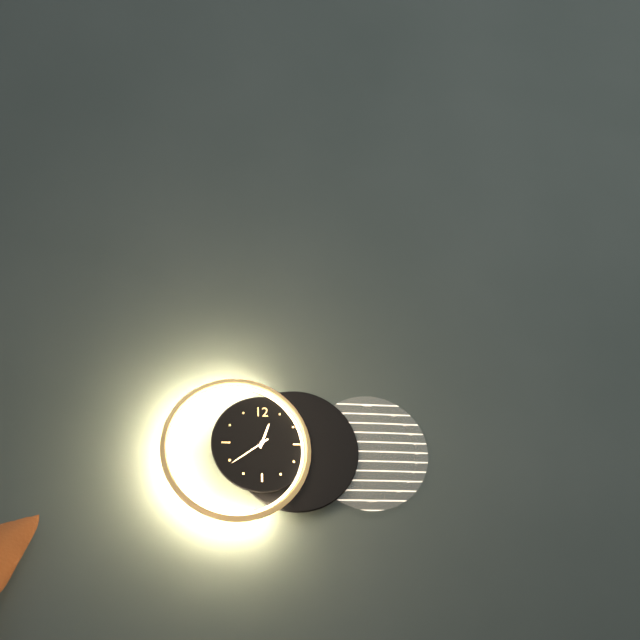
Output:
12.39
